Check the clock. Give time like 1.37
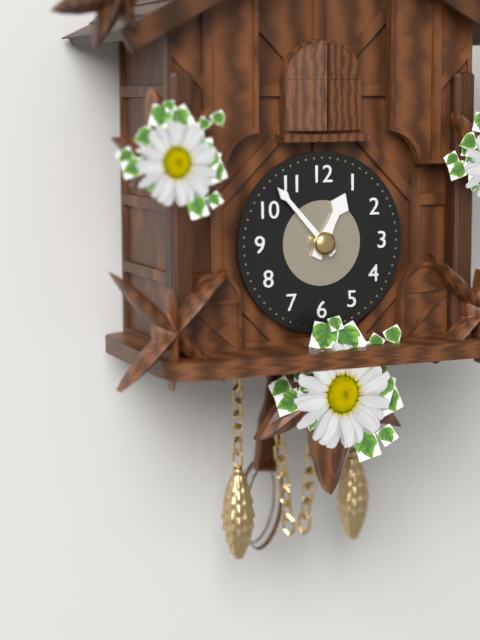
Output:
12.53
